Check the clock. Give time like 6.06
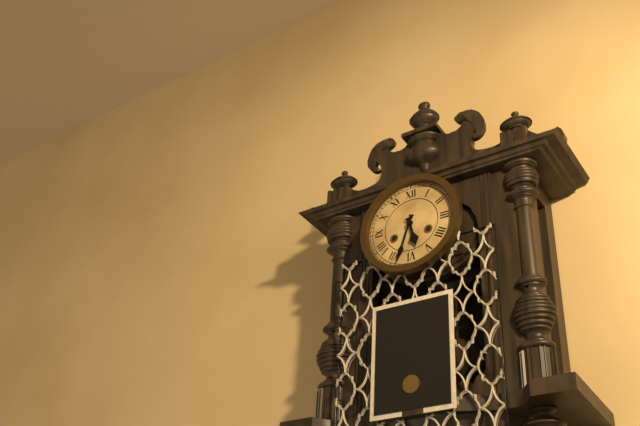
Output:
5.33
